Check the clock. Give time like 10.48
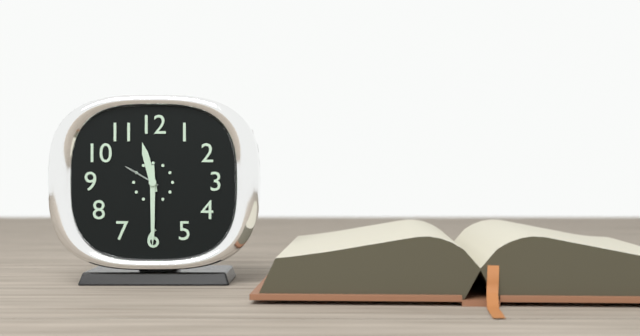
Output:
11.30
